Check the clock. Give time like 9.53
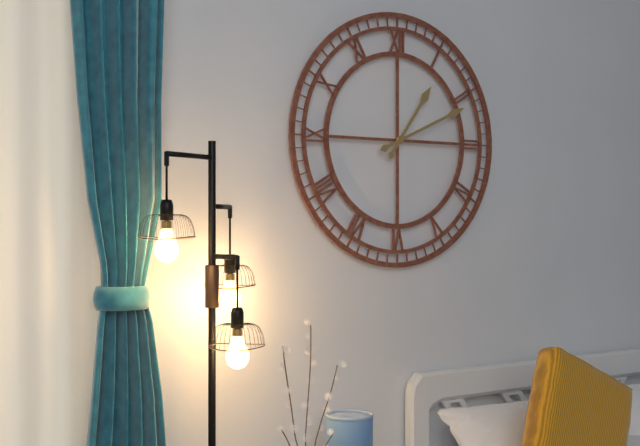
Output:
1.11
